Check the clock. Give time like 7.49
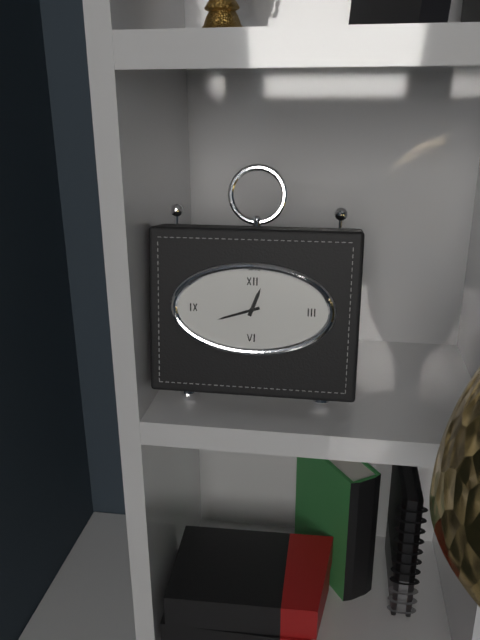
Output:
12.42
